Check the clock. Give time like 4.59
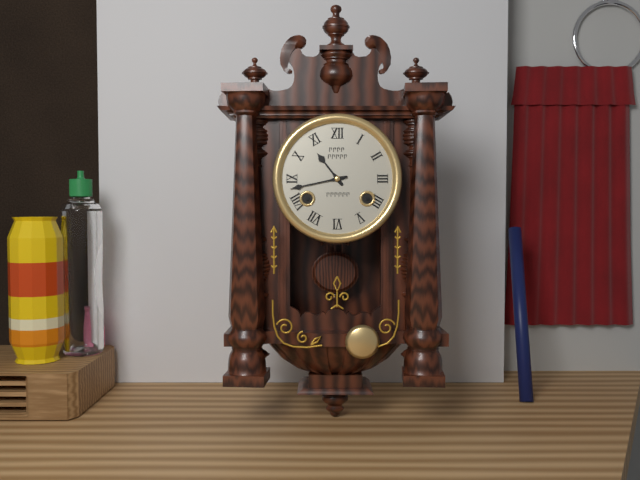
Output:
10.43
